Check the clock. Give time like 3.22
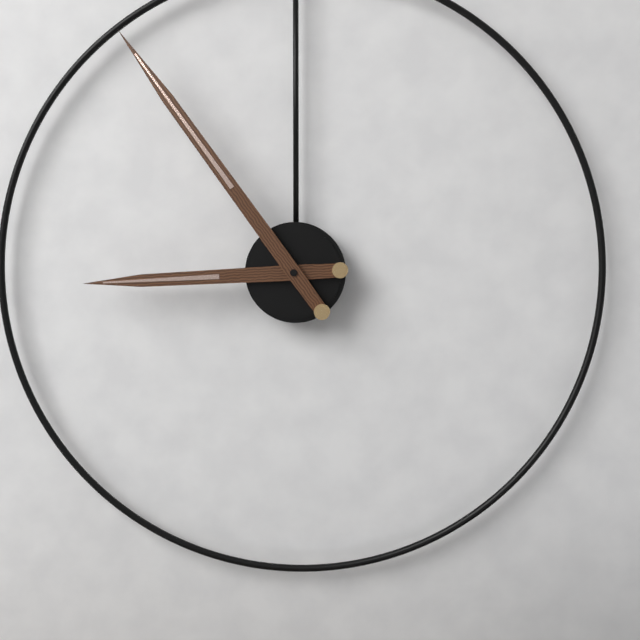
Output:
8.54
